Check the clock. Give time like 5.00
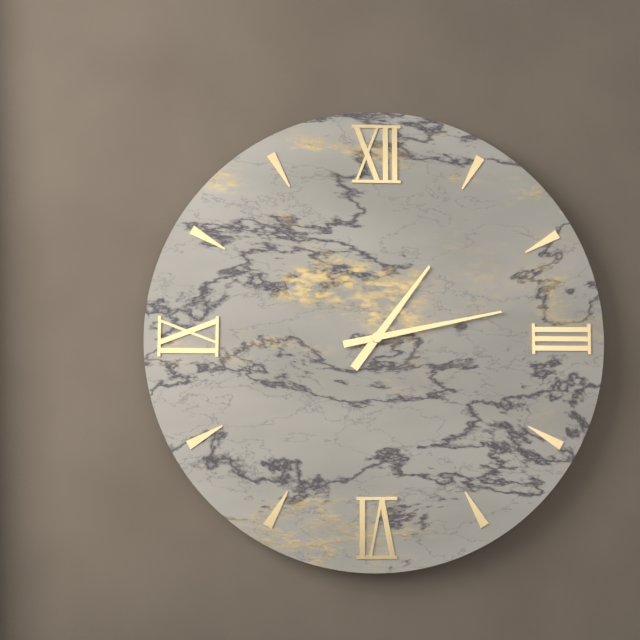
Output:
1.13
